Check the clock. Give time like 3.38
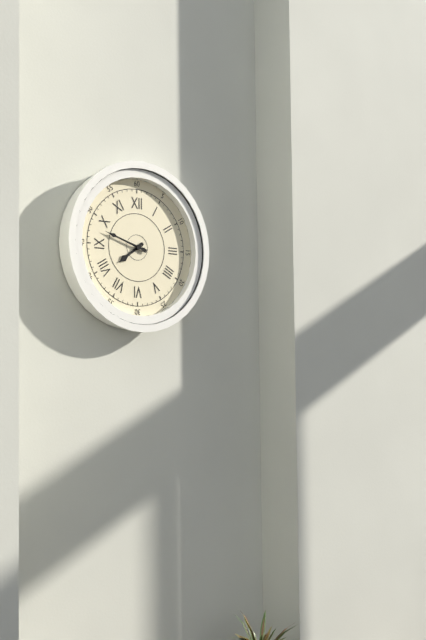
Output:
7.48
